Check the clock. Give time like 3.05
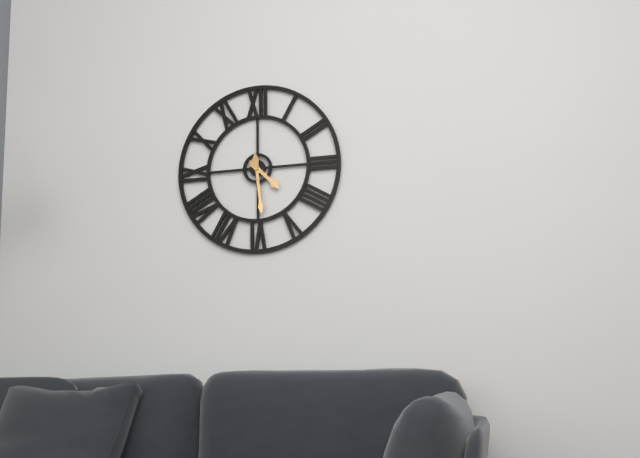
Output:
4.29
